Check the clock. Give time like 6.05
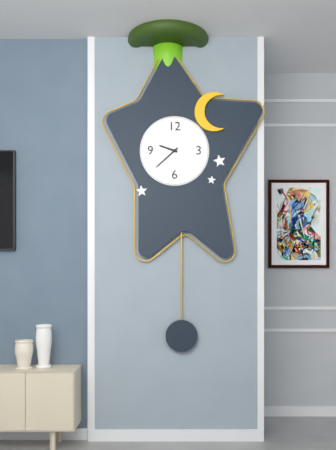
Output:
9.38
